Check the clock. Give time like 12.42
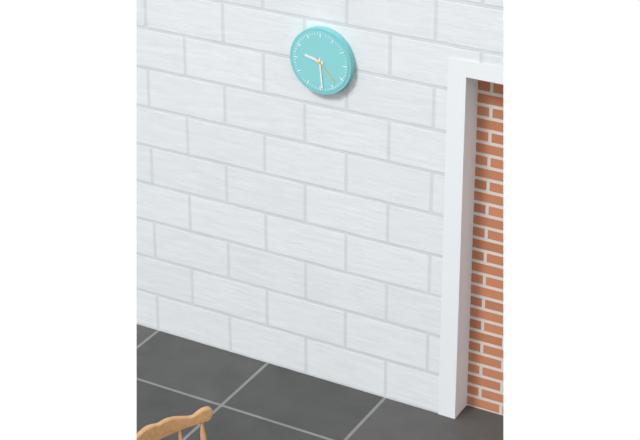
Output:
9.29
